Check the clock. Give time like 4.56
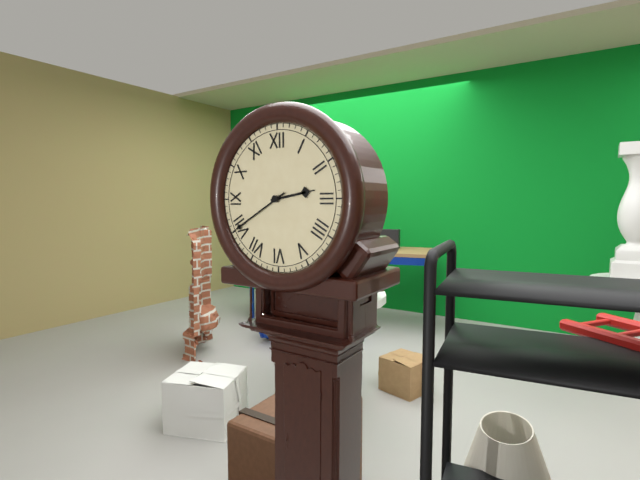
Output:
2.40
